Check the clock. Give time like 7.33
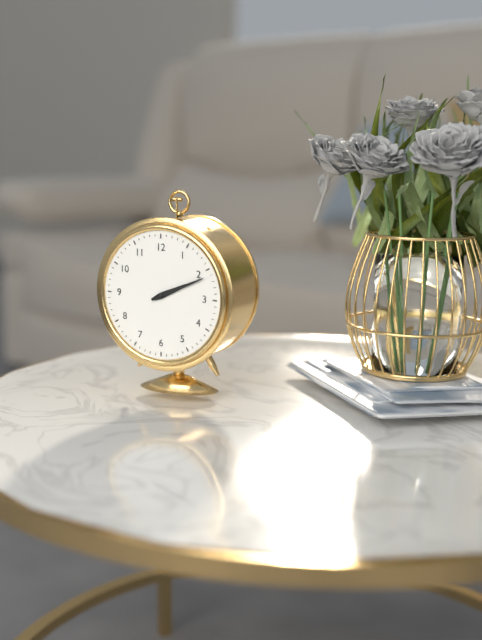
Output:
2.11
